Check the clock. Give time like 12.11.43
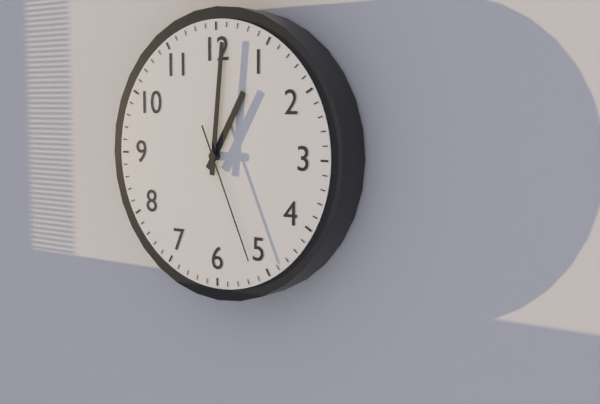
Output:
1.01.26
